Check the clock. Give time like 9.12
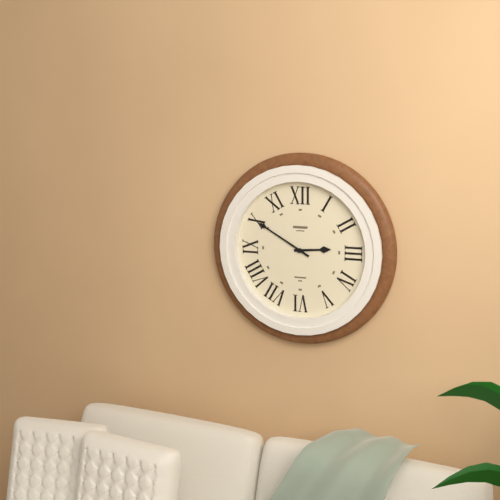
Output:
2.50
